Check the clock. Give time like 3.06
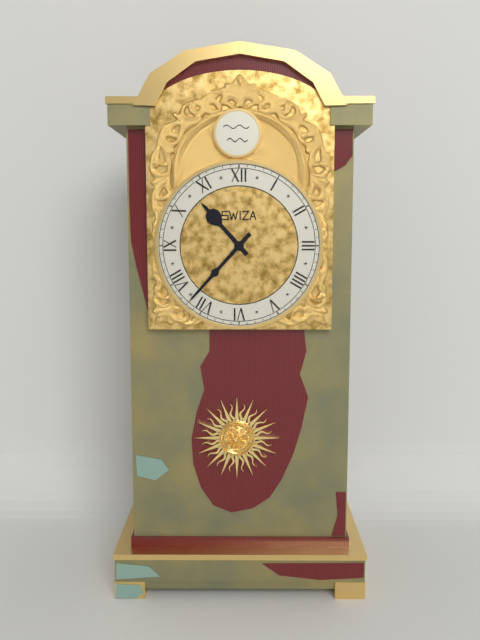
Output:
10.37
